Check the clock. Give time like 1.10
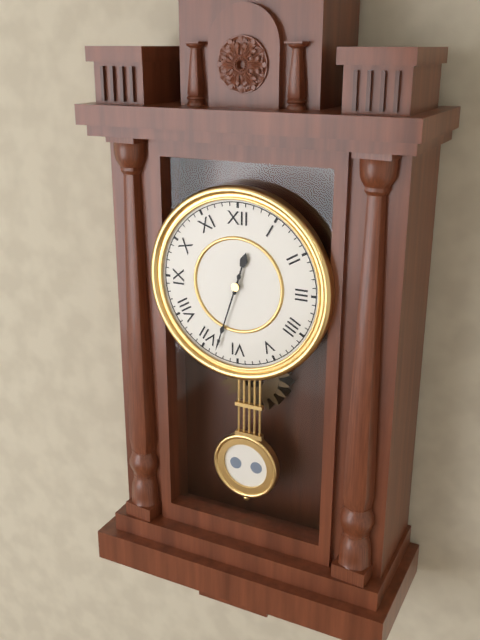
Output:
12.33
